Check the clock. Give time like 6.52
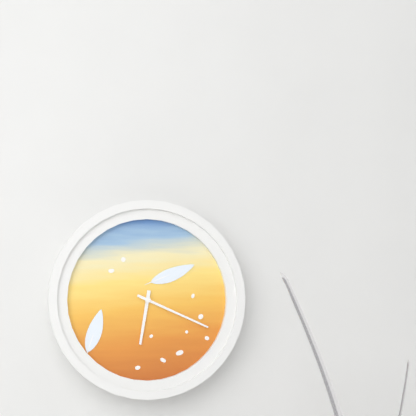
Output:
6.19
